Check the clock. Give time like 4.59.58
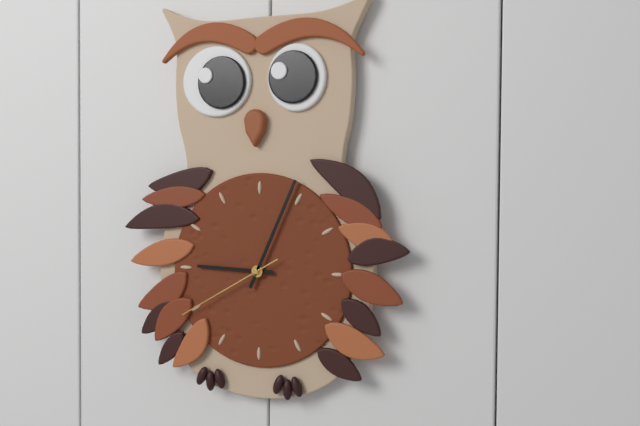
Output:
9.04.40
